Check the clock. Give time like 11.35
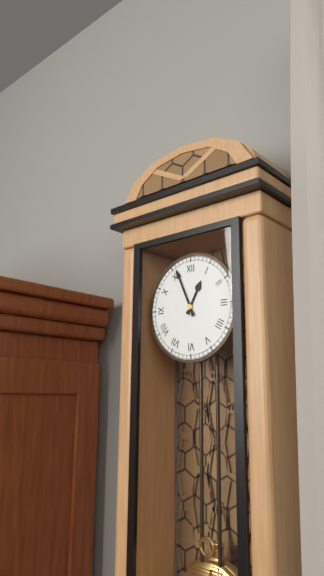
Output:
12.56
